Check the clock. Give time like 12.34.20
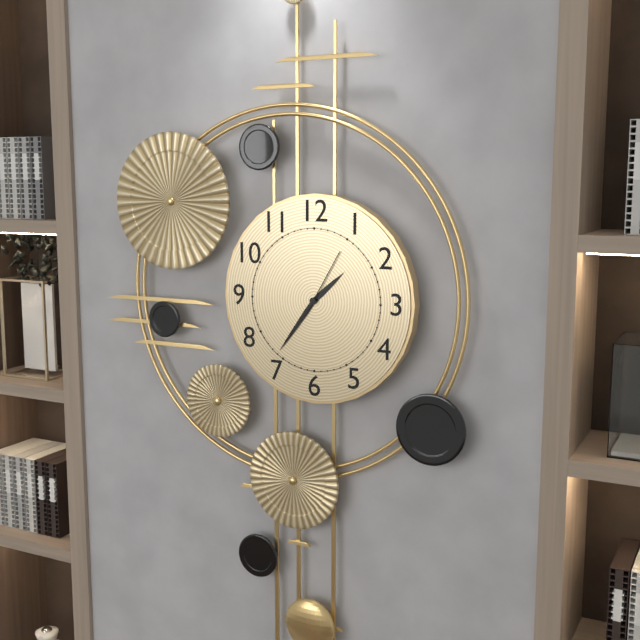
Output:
1.36.05
